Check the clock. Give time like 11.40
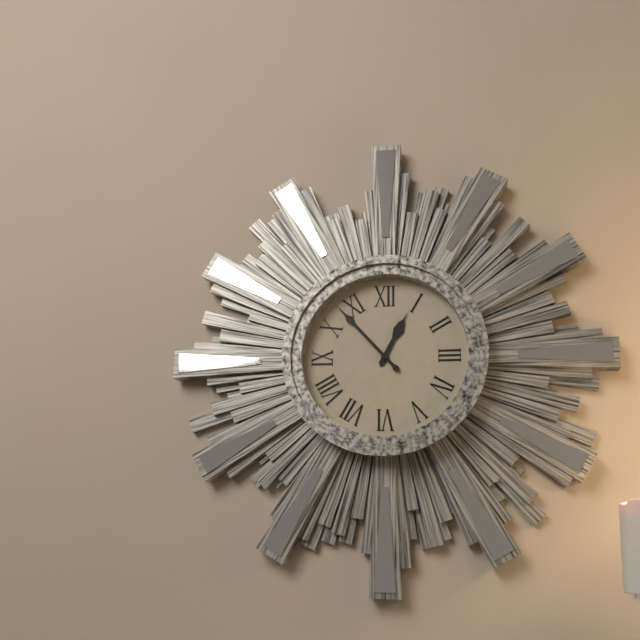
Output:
12.53
